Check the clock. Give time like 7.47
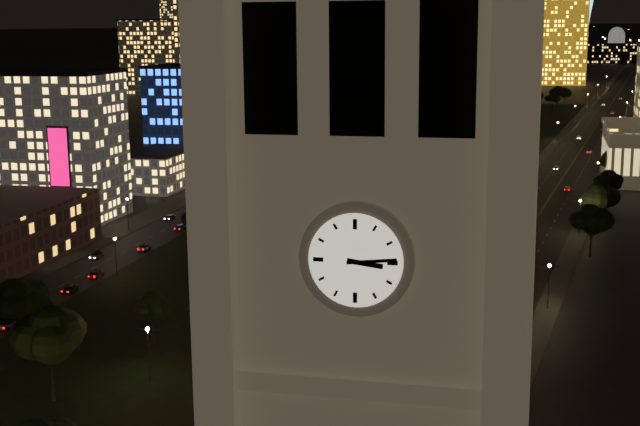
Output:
3.14
